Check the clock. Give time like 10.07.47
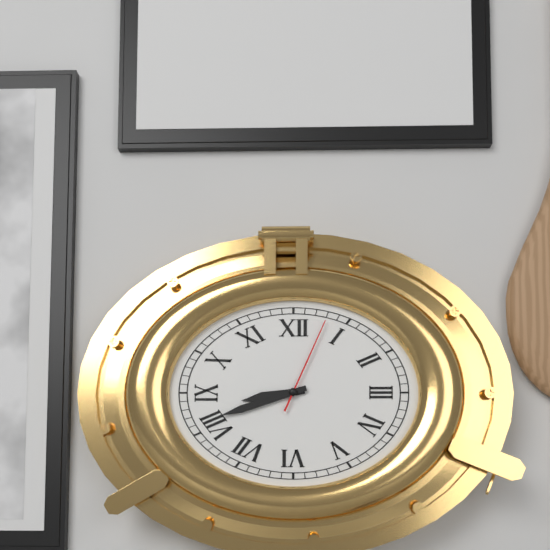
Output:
8.42.04
